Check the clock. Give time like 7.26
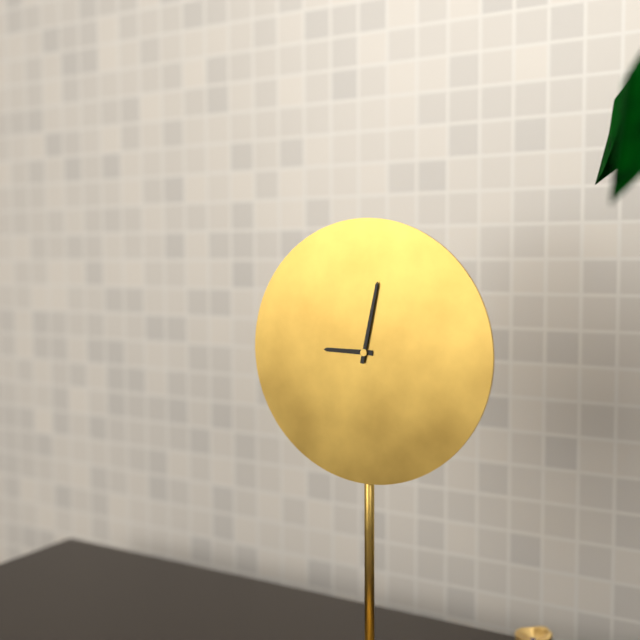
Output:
9.02
